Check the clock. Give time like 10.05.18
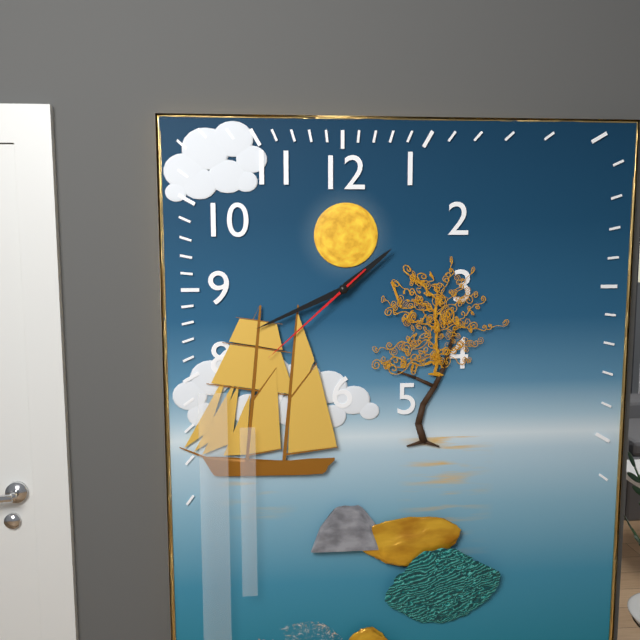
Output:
1.41.38
